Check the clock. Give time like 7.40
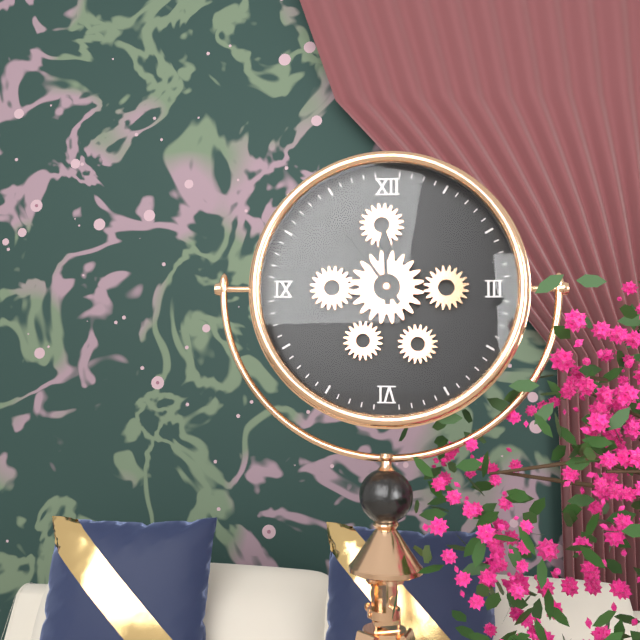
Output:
11.54
